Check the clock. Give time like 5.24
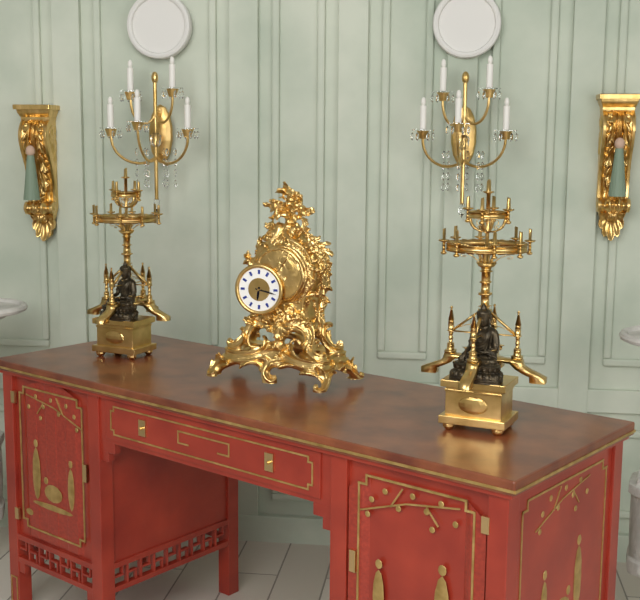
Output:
6.17
